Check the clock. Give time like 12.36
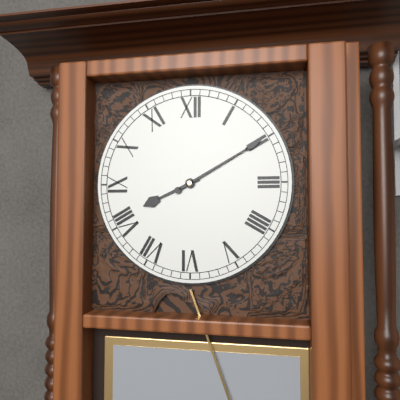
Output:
8.10
